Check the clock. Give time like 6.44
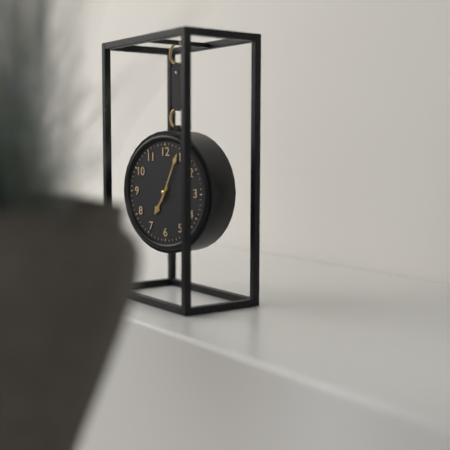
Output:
7.04
